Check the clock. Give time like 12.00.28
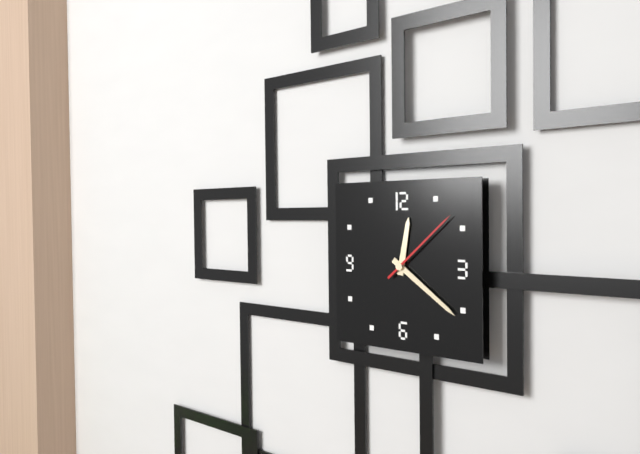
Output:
12.21.08
